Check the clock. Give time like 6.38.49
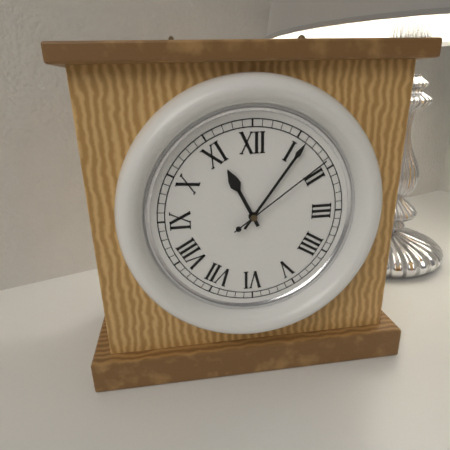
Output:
11.06.09
